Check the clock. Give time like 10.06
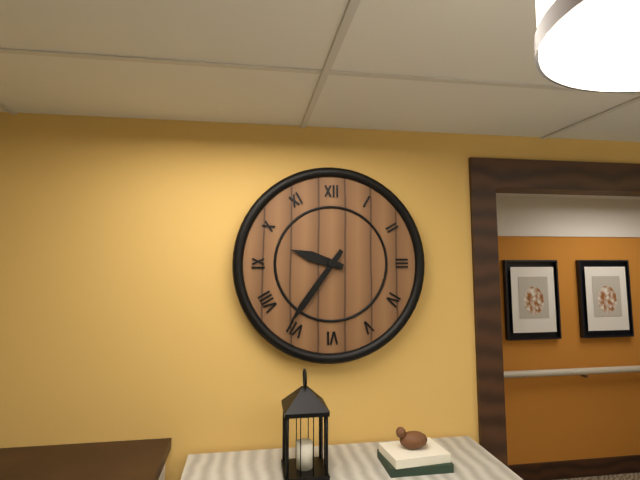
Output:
9.36
